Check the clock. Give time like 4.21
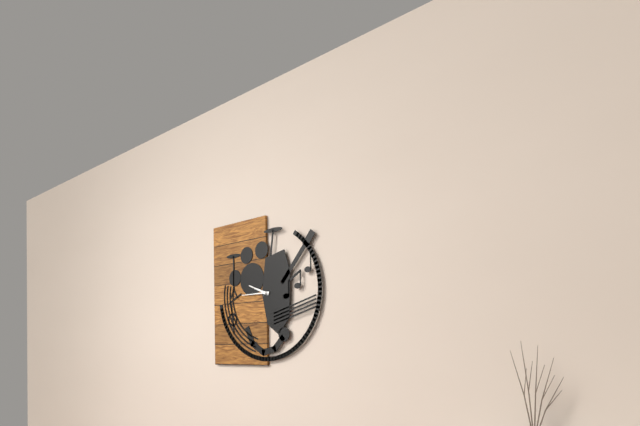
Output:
9.45
